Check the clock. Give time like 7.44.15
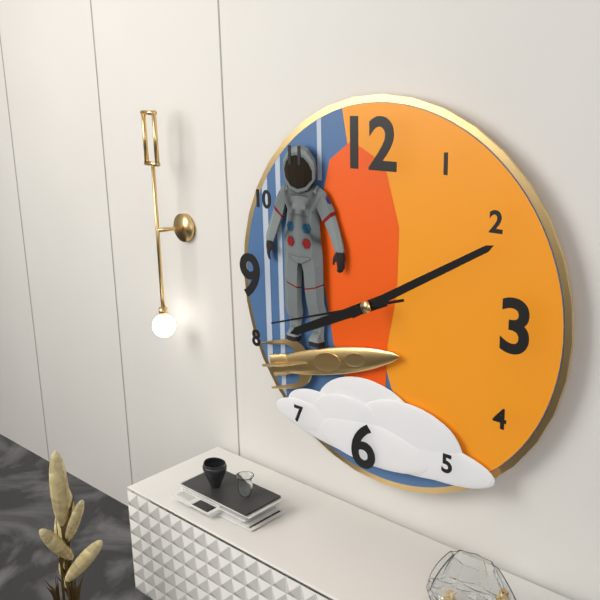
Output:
8.10.42
